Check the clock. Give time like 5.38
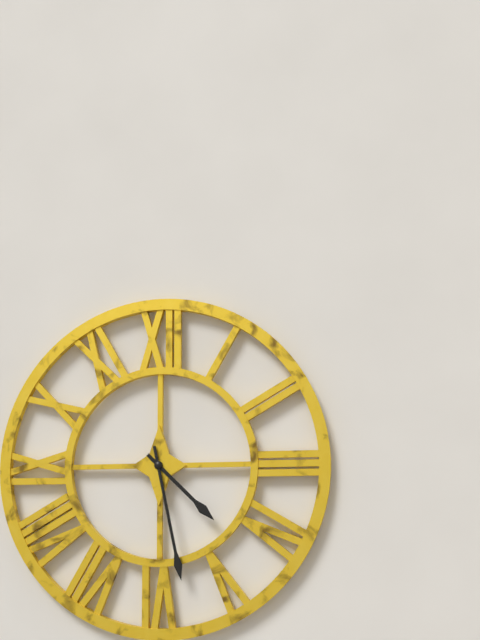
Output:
4.28
